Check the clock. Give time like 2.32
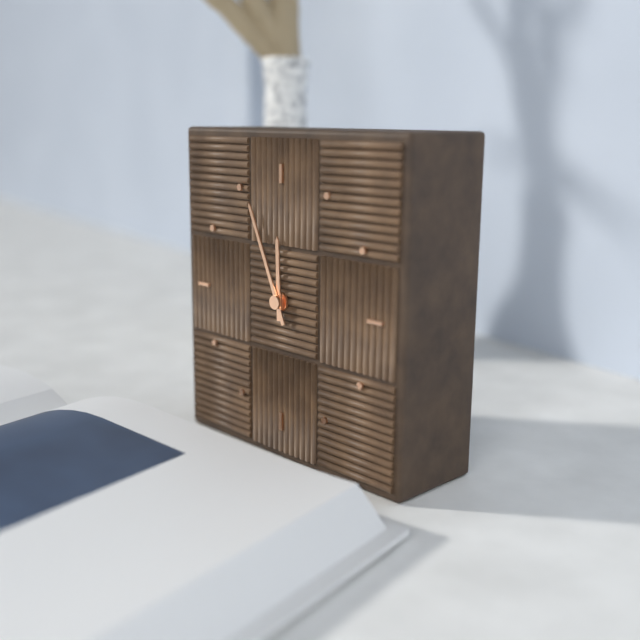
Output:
11.56
